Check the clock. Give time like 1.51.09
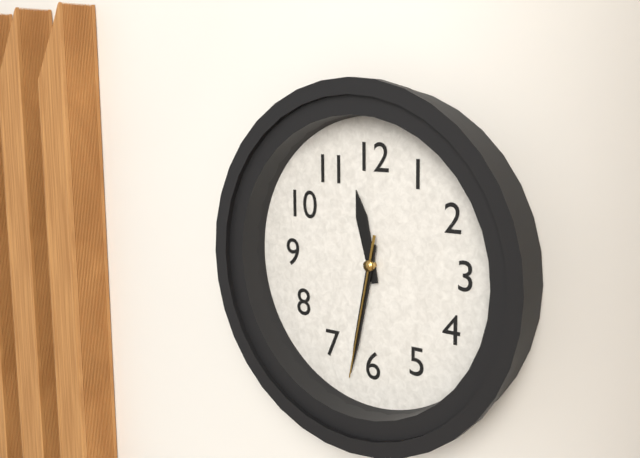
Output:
11.32.32
